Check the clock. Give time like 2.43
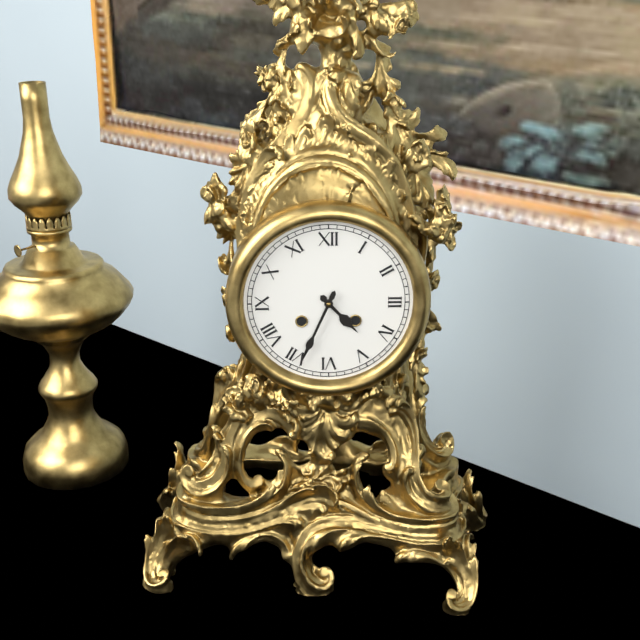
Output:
4.34
